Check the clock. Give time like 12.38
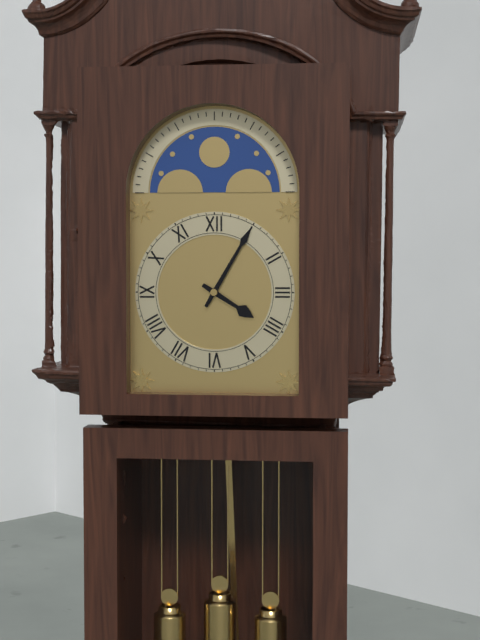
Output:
4.05
